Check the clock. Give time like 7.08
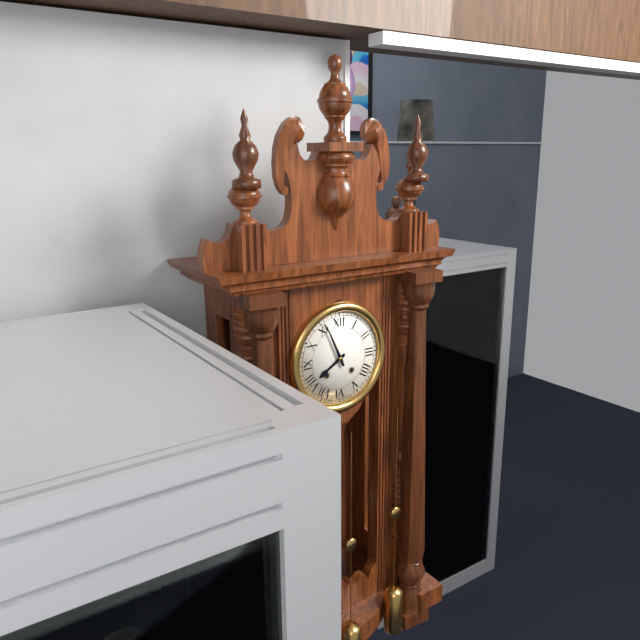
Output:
7.56
